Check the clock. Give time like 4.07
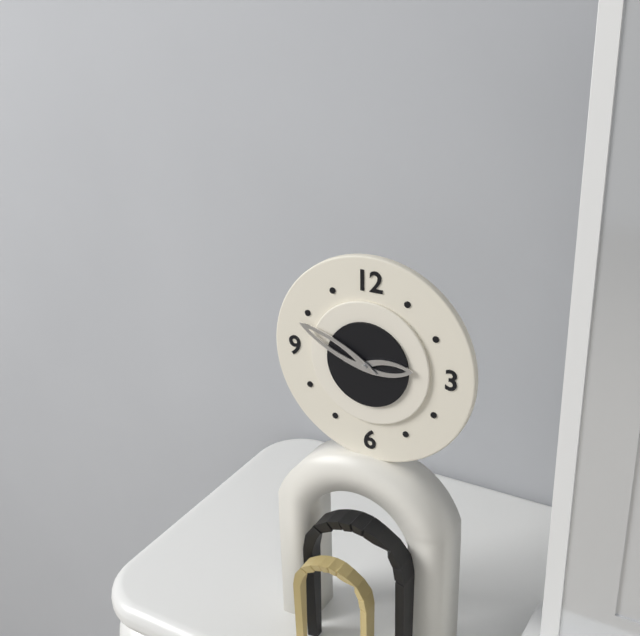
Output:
2.49
